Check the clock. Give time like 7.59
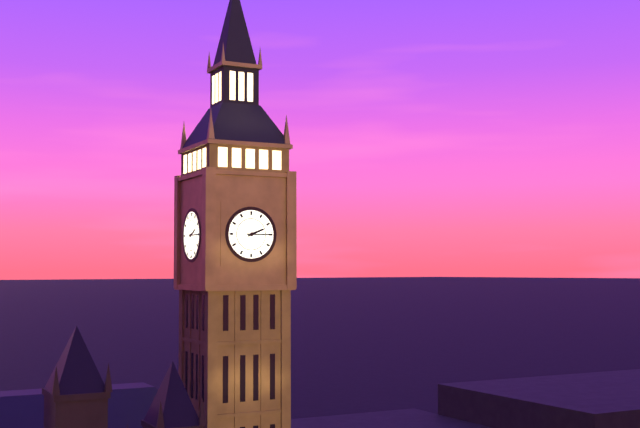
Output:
2.15
